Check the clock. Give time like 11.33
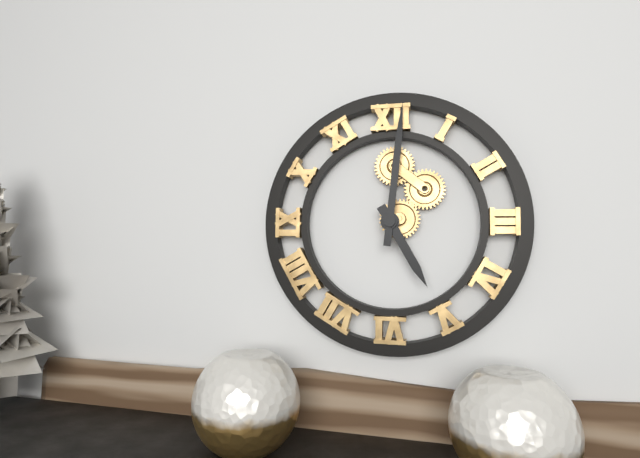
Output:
5.01
